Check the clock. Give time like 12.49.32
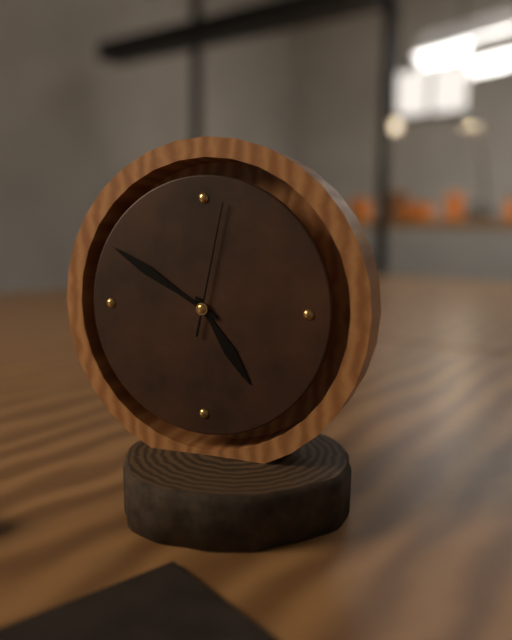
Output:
4.50.02
